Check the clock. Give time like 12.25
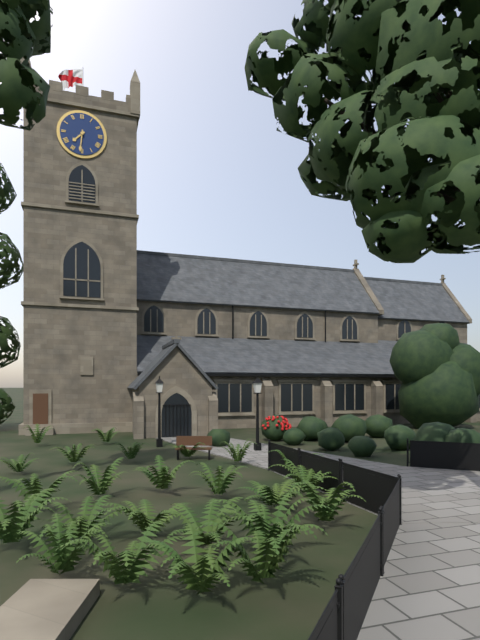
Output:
7.31
